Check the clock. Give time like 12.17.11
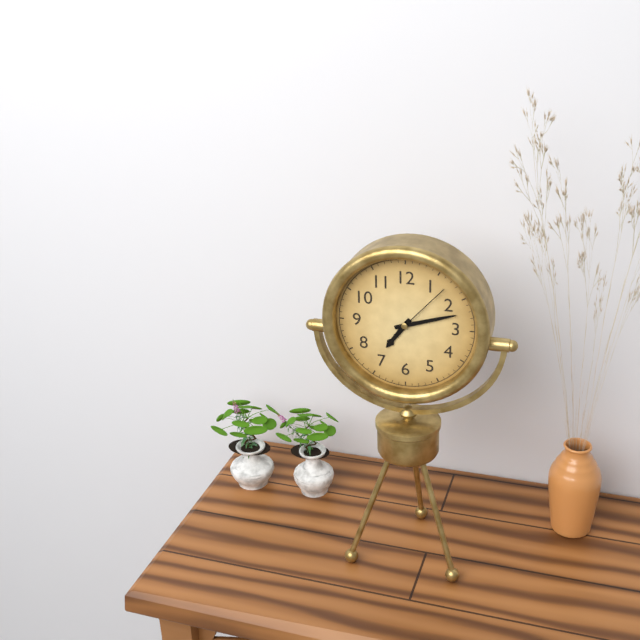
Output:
7.12.07
